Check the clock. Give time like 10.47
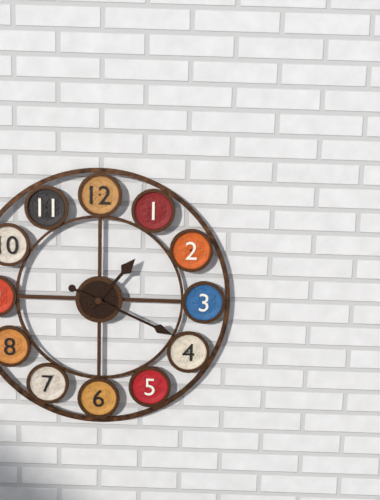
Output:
1.19
